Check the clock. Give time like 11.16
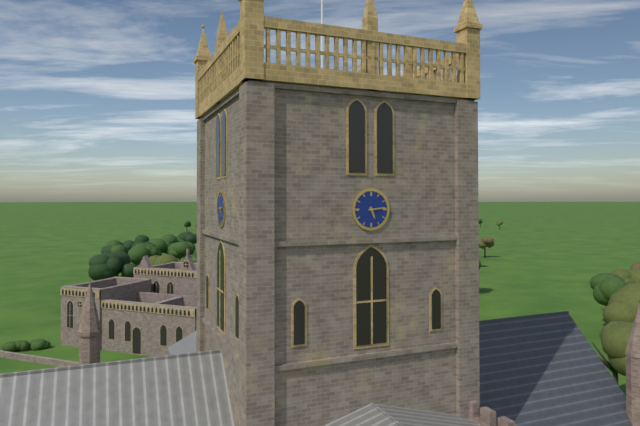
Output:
5.14
